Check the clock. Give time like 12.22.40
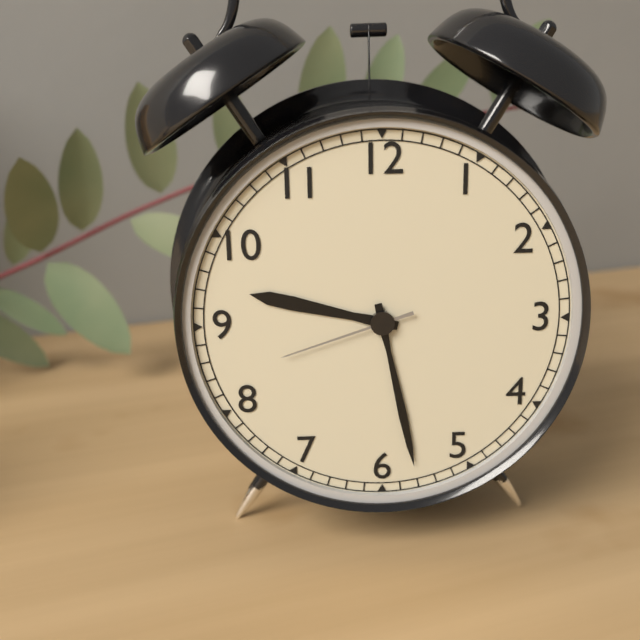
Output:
9.28.42
